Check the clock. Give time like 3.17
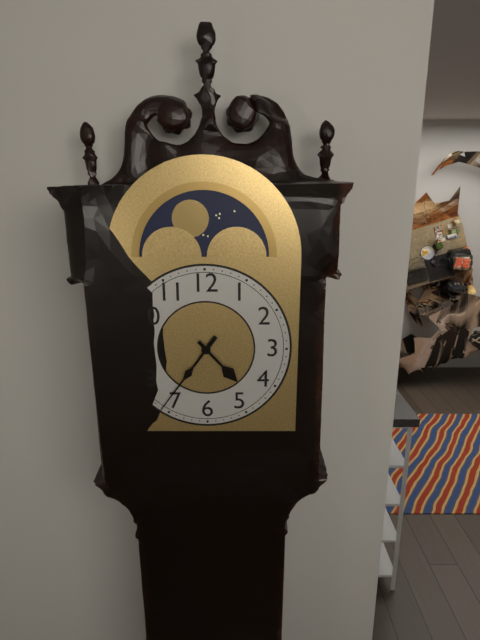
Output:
4.36
